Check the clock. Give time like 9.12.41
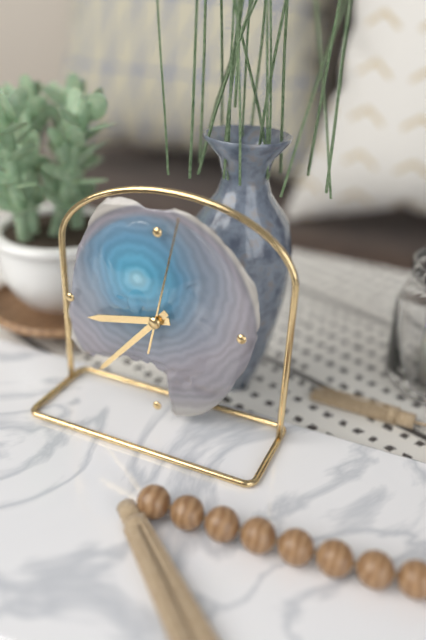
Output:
8.37.02
